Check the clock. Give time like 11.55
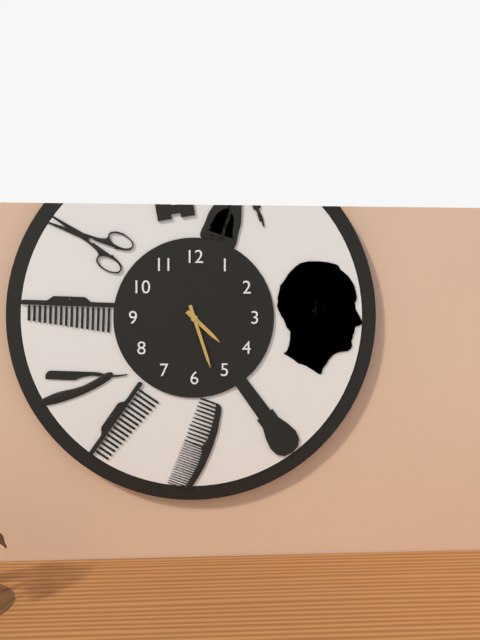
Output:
4.27
